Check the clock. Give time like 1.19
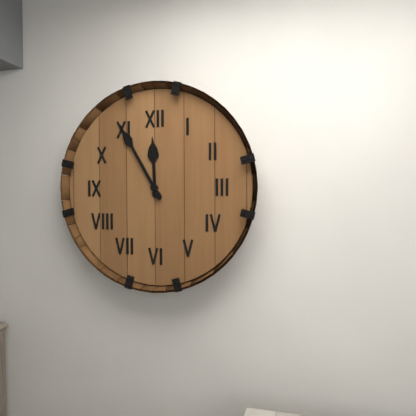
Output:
11.55
